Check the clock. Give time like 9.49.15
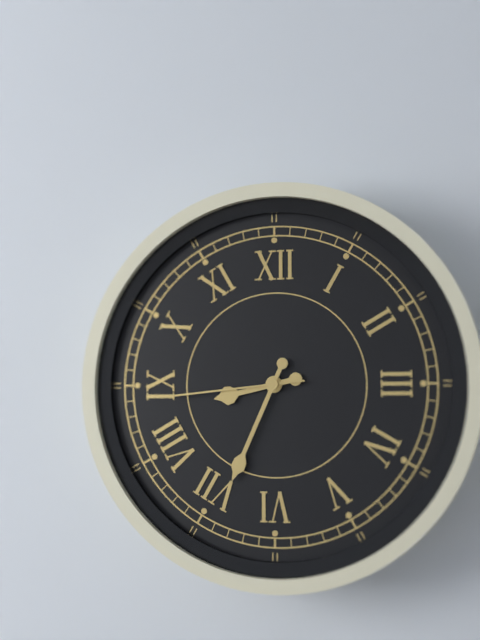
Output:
8.34.44
